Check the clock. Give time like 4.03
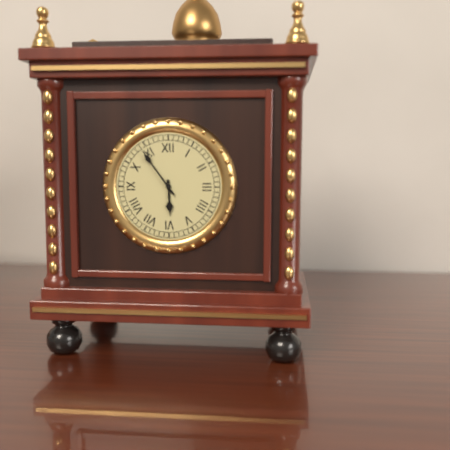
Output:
5.54
